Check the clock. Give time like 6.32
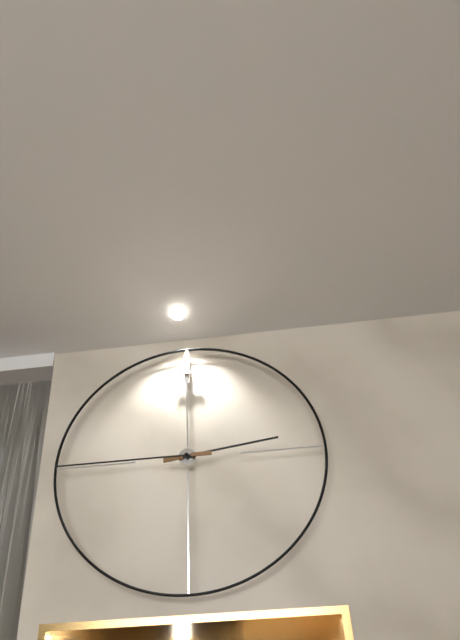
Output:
2.45
